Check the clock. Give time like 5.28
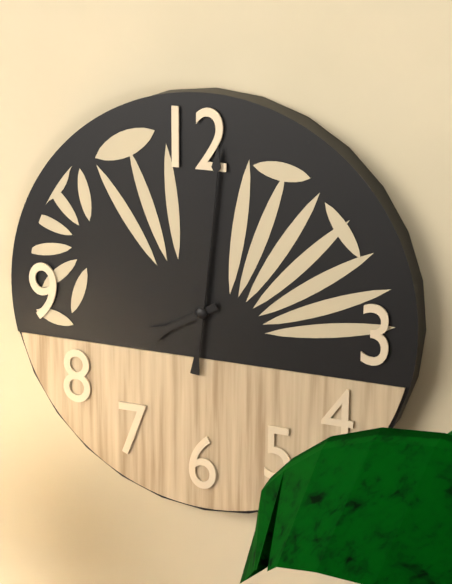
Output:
8.01
